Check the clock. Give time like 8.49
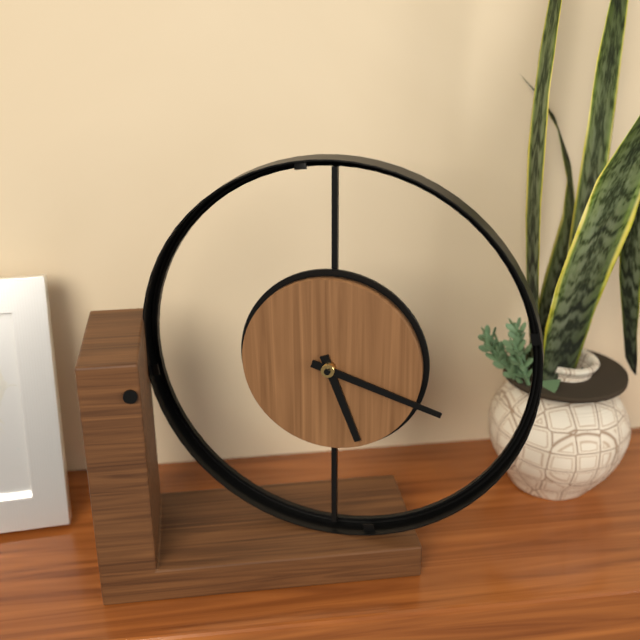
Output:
5.18
